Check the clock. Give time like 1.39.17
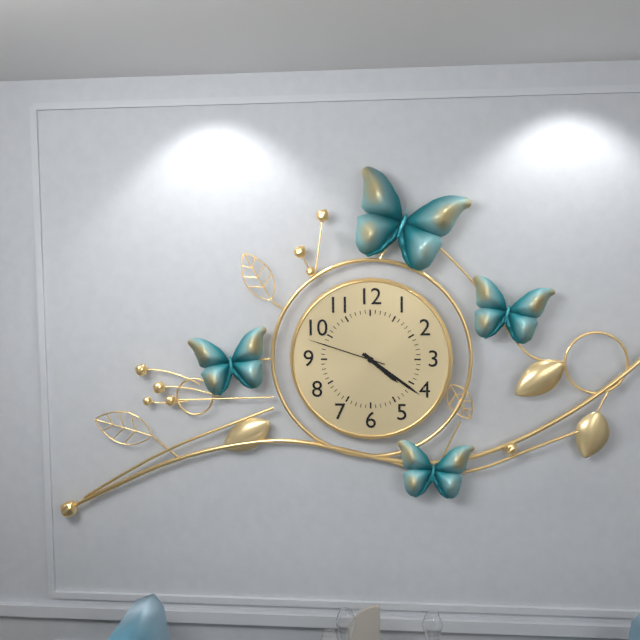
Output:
4.21.48
